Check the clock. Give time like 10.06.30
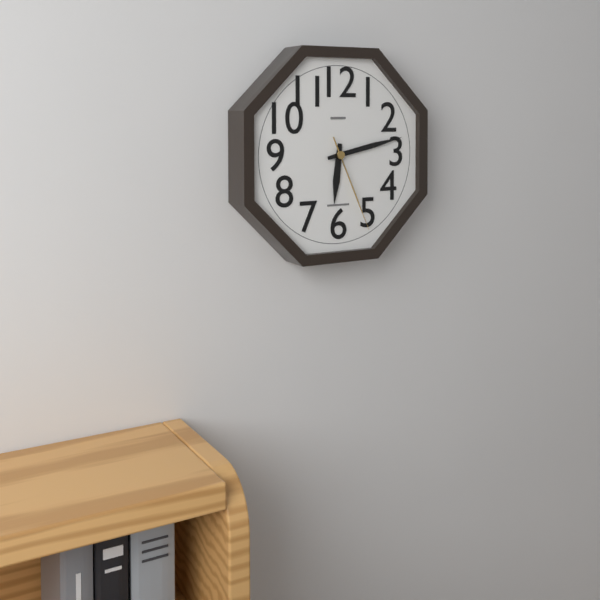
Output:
6.13.26
